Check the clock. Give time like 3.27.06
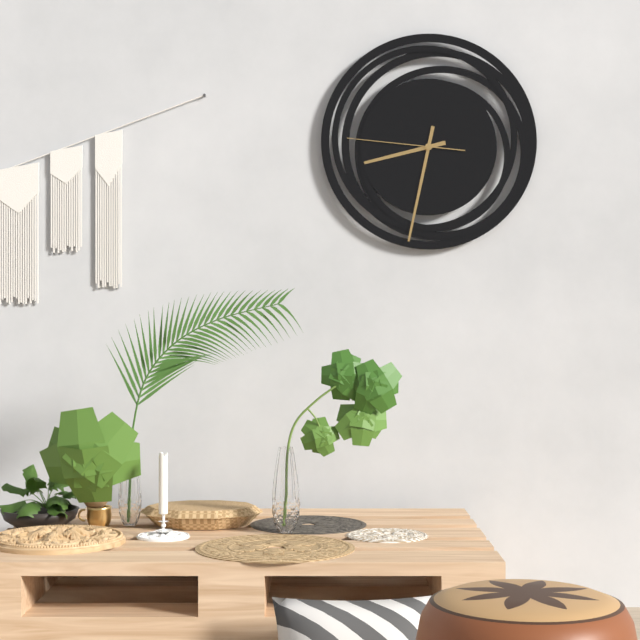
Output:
8.32.46
